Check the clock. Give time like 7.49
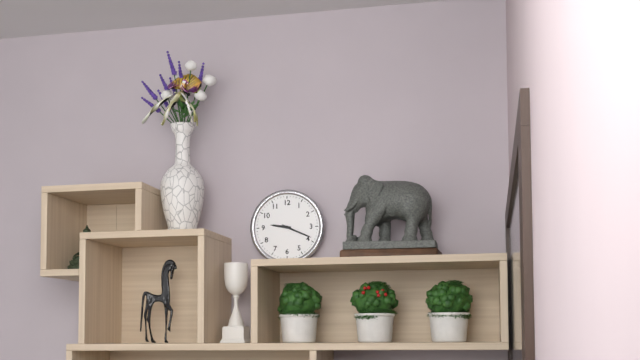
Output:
9.19
